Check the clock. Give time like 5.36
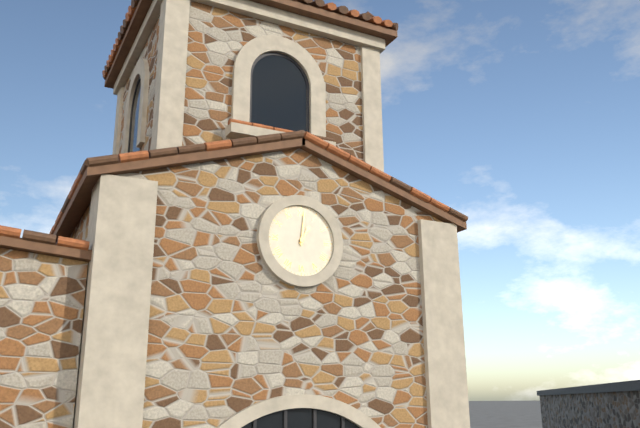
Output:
1.01
